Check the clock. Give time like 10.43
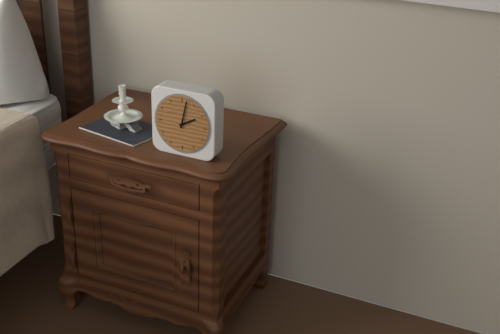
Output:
2.02
